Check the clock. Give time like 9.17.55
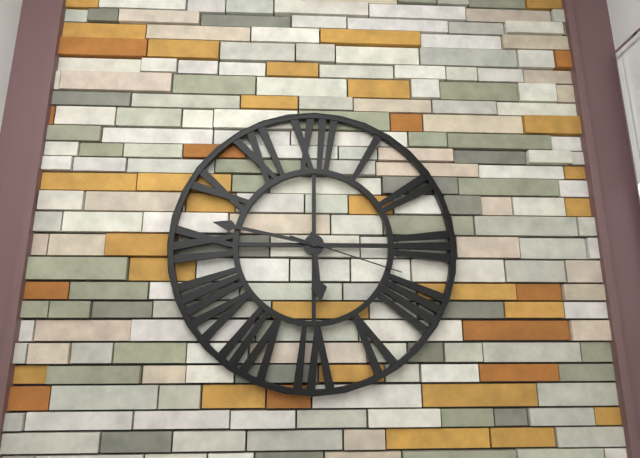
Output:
5.47.18
